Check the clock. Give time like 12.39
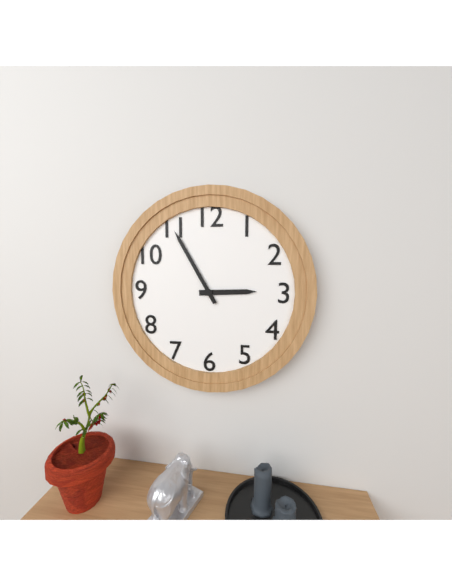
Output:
2.55
